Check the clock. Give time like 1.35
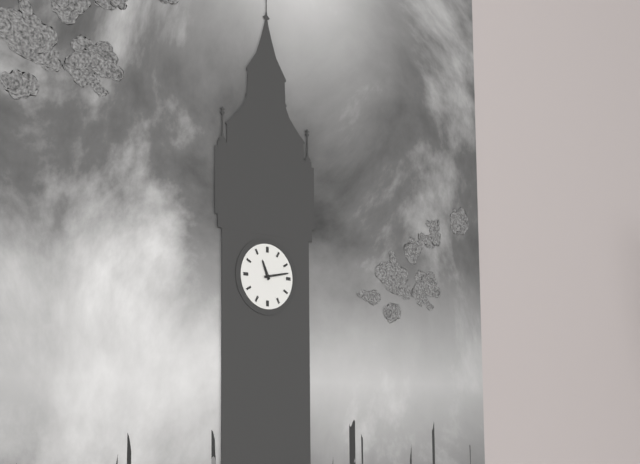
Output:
11.13
